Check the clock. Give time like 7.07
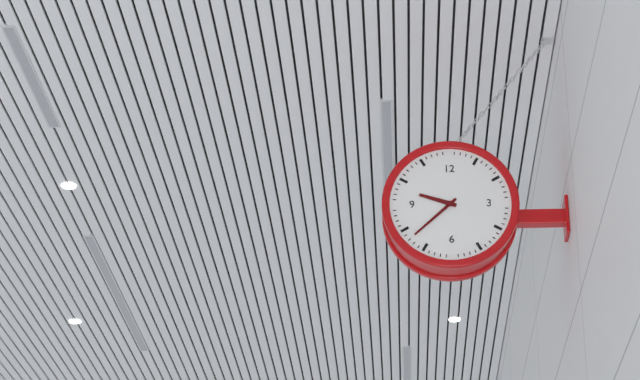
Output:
9.38
